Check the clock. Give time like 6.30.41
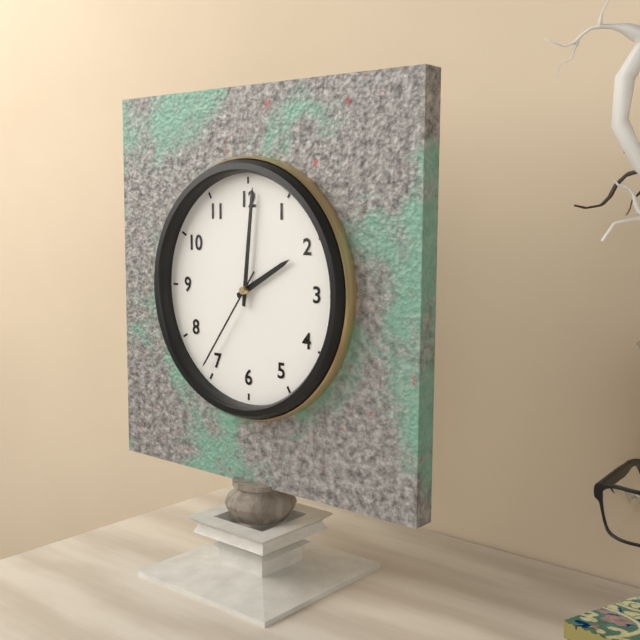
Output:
2.01.36
